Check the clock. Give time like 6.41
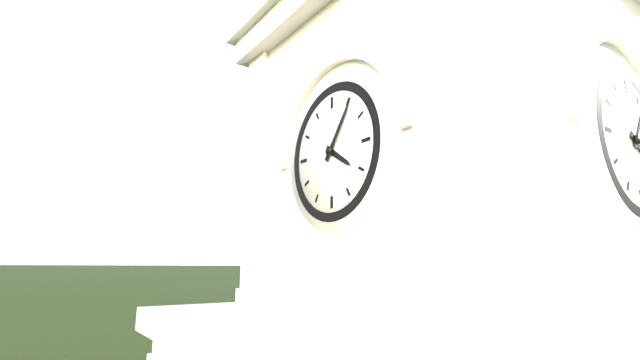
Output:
4.06
